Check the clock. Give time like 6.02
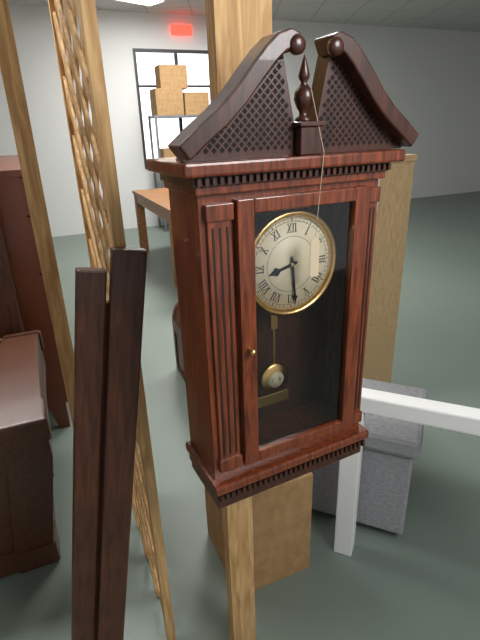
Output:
8.29
